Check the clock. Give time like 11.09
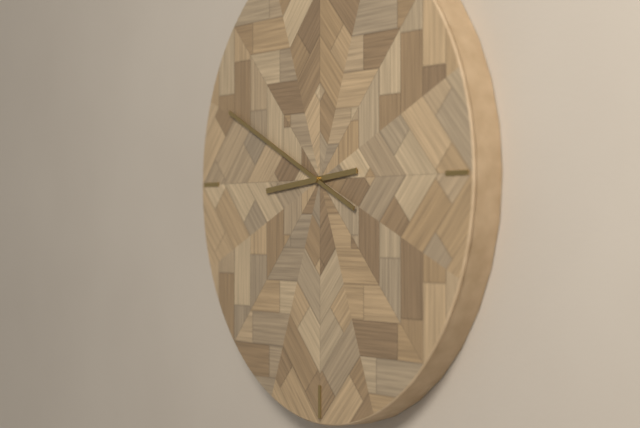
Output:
8.49
